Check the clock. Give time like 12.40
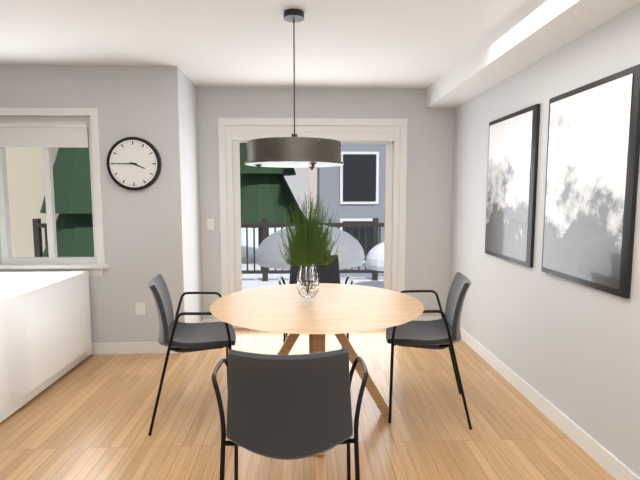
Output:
3.45
